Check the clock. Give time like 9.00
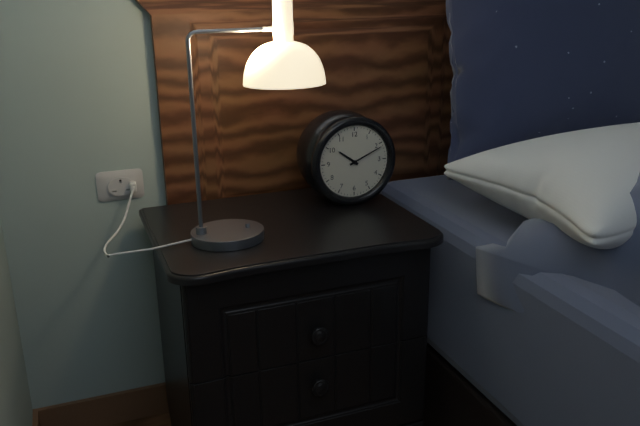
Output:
10.11
